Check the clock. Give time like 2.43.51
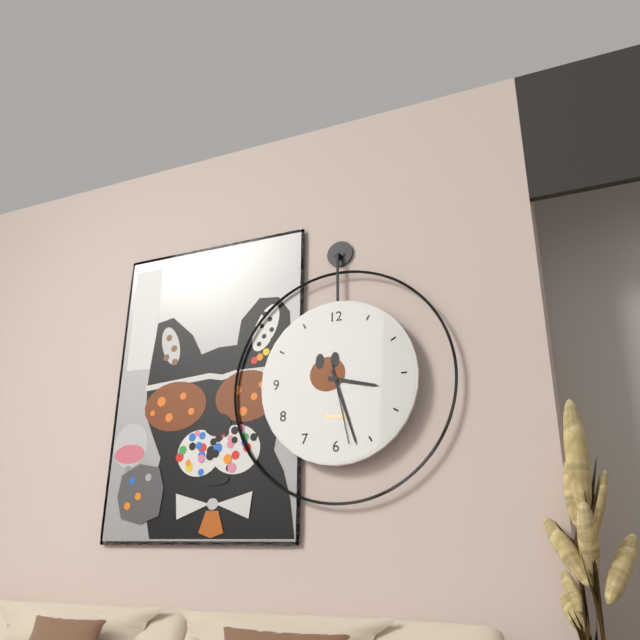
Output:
3.27.28
